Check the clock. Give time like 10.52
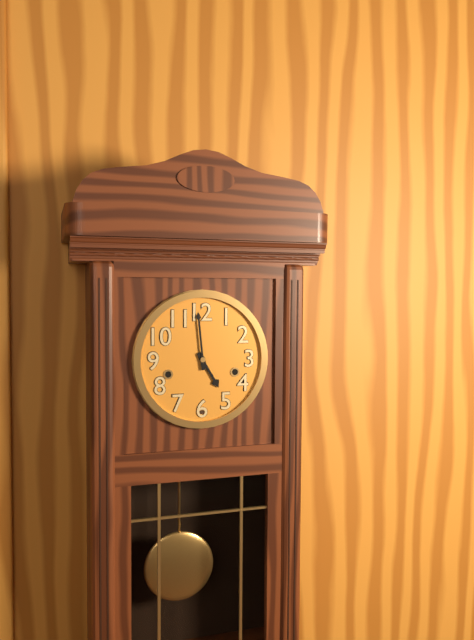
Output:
4.59
